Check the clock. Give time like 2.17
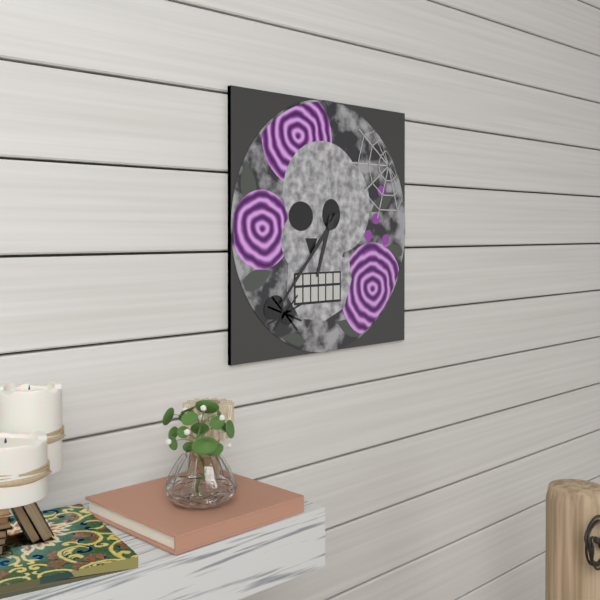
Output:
6.37
